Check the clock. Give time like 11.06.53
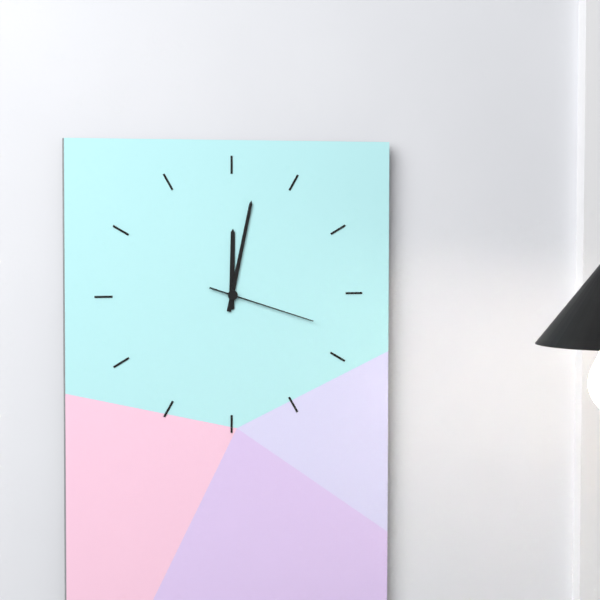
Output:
12.02.18
